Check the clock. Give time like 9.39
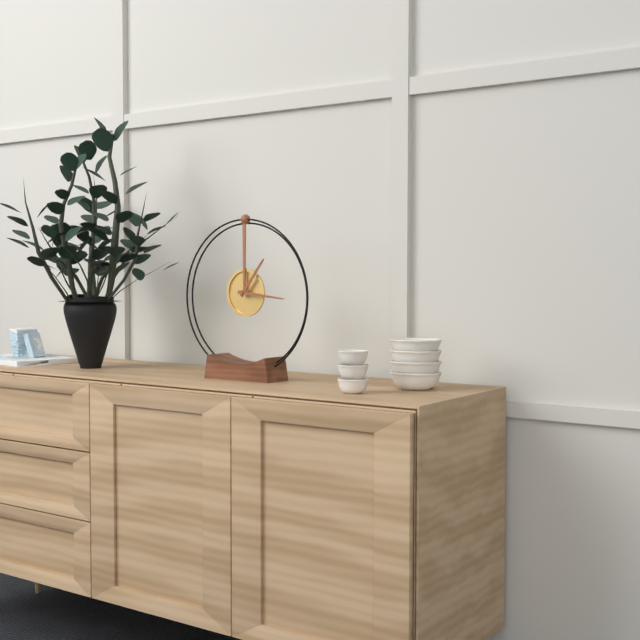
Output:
1.16
